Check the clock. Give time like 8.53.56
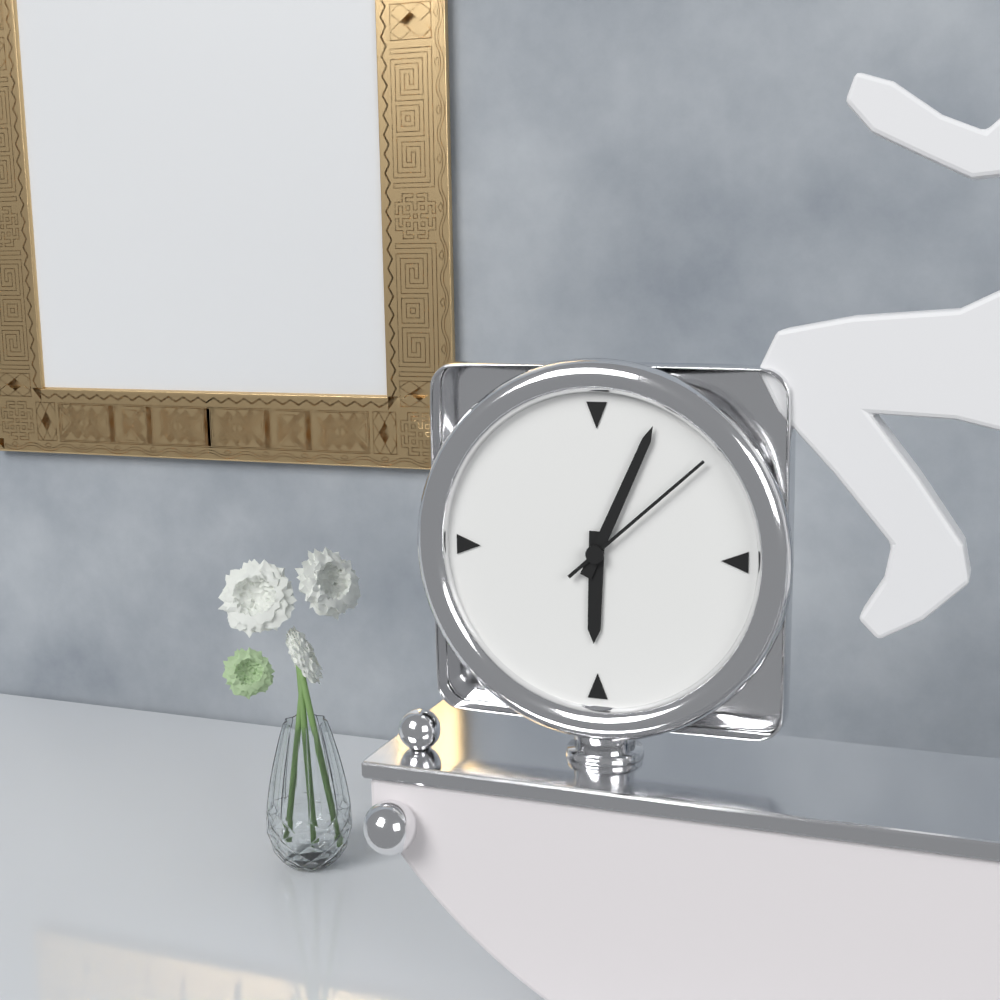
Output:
6.04.08
